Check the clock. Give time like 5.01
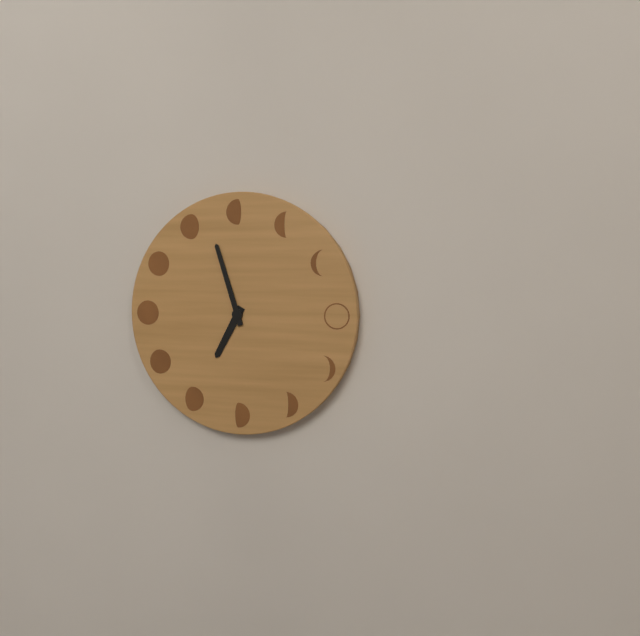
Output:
6.57
